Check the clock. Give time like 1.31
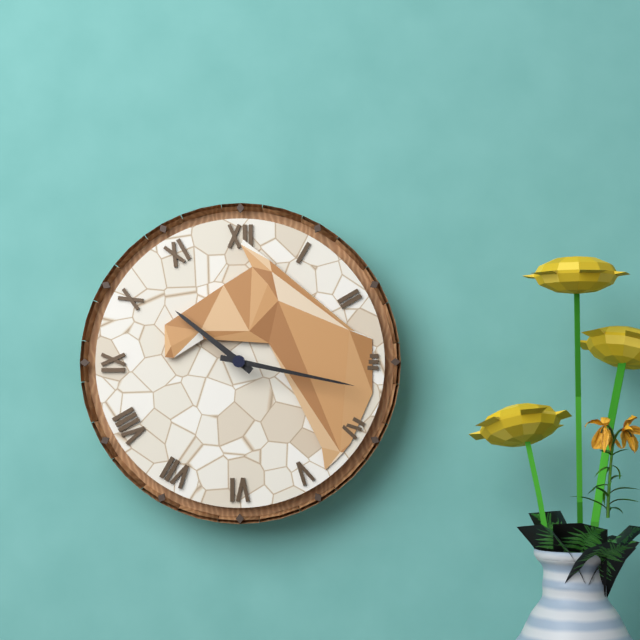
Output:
10.17
